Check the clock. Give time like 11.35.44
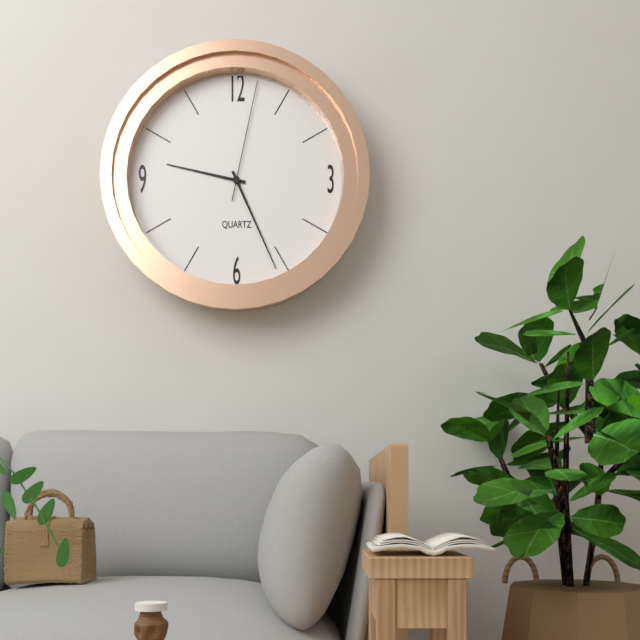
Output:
9.26.02
